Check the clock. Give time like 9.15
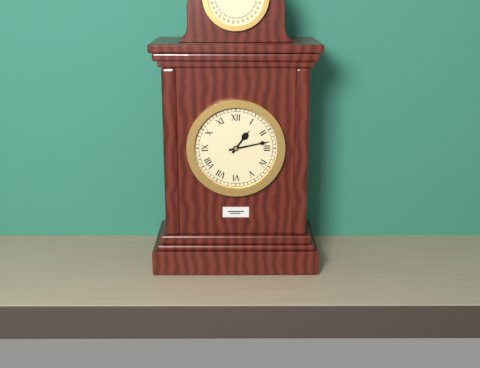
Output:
1.13
